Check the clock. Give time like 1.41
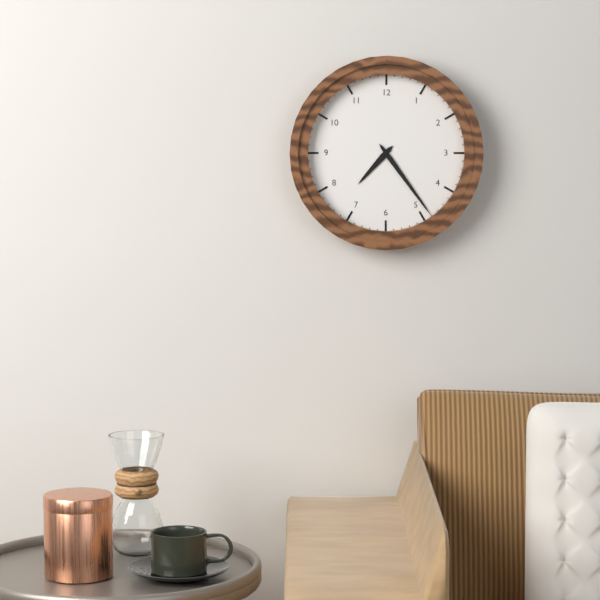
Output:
7.24
